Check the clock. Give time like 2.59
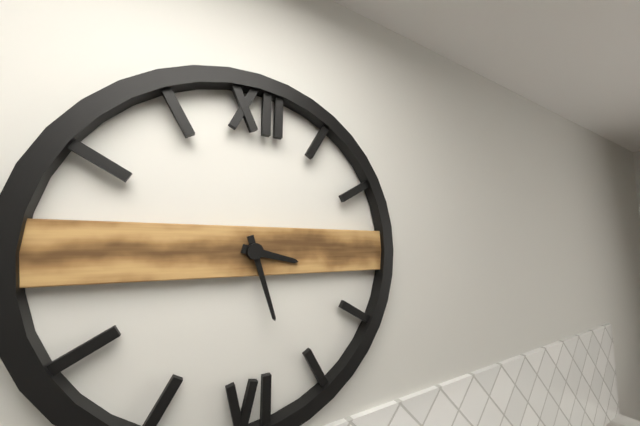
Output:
3.27
